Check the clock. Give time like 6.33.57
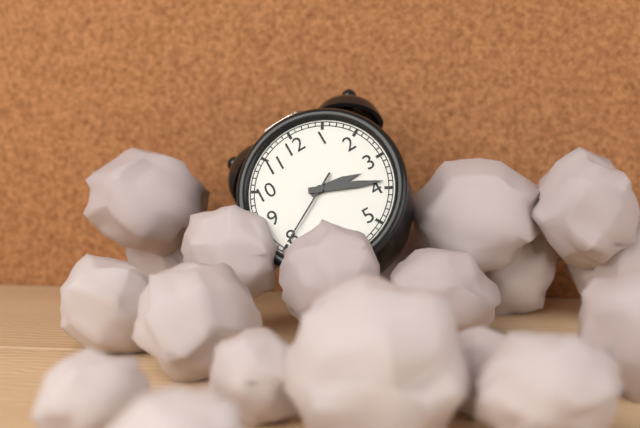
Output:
3.19.40
